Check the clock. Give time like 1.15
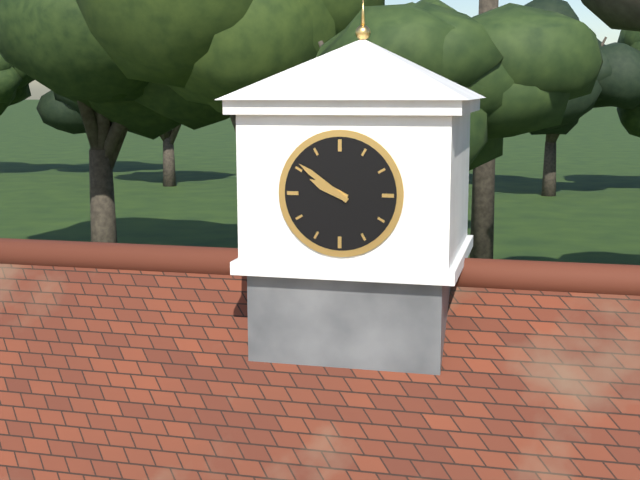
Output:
9.51
